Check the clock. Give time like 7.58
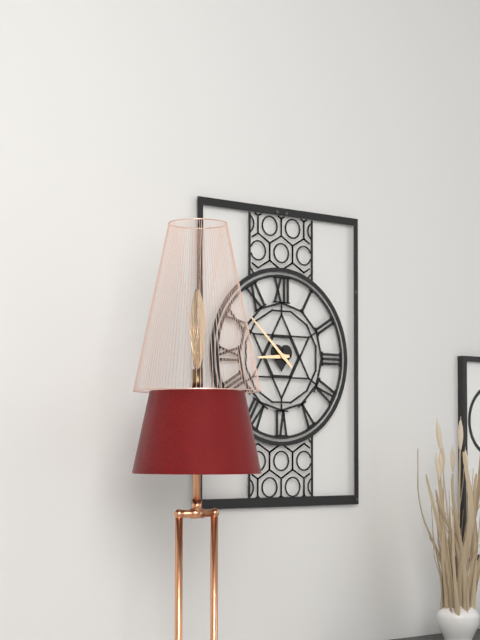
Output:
8.52
